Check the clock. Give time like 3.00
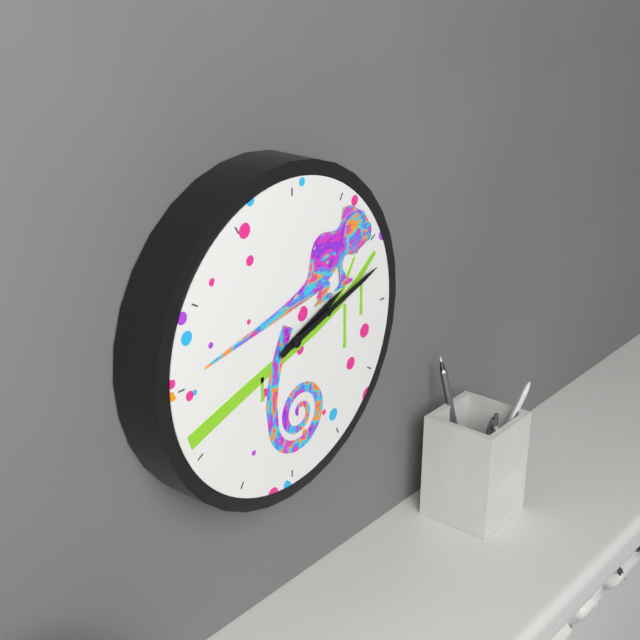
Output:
2.12
